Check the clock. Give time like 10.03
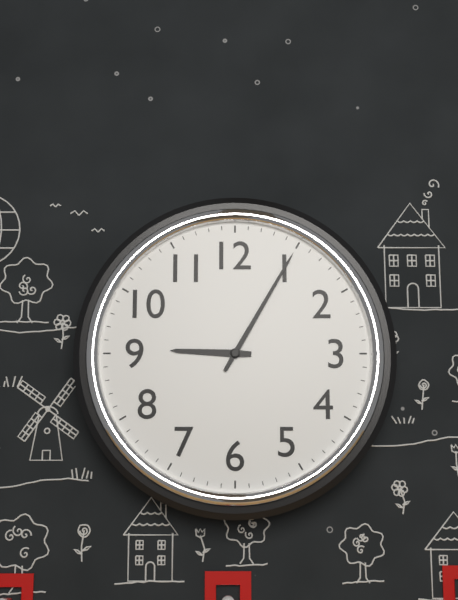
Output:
9.05
